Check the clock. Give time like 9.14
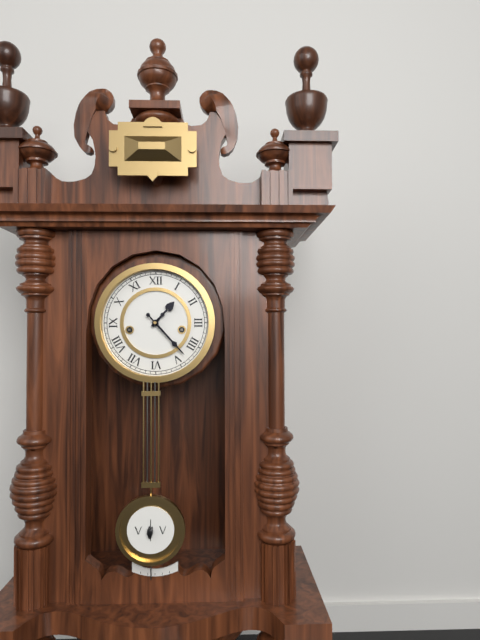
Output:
1.23
